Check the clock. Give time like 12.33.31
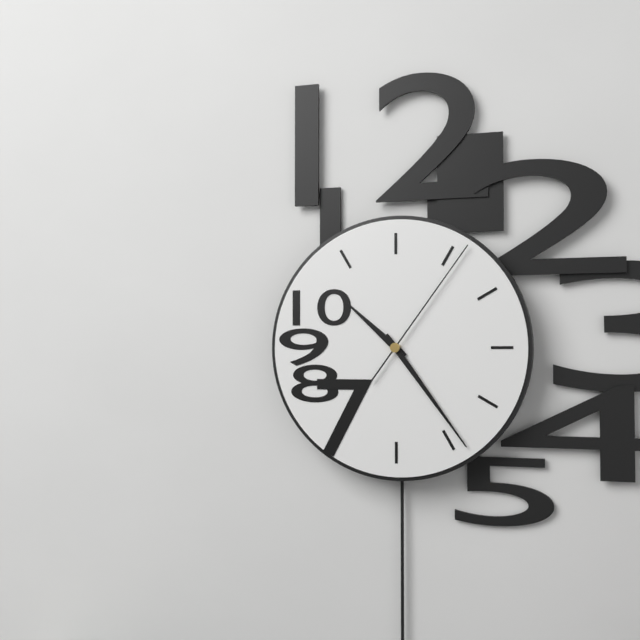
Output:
10.24.06
